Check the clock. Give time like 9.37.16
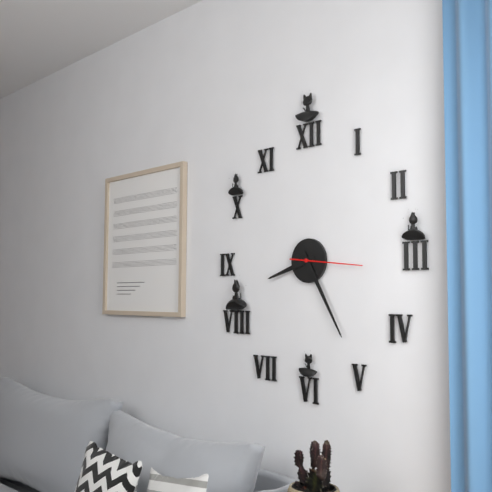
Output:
8.25.16
